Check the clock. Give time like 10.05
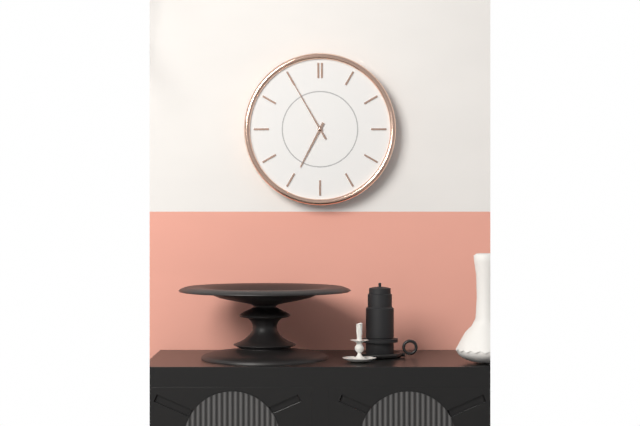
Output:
6.55
